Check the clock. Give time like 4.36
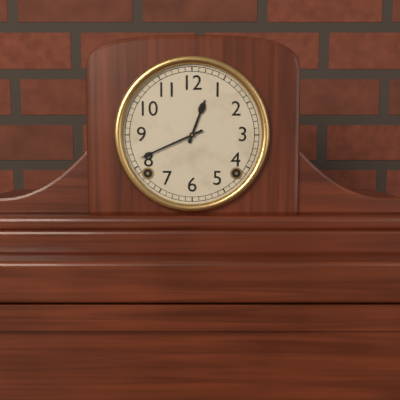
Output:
12.41
